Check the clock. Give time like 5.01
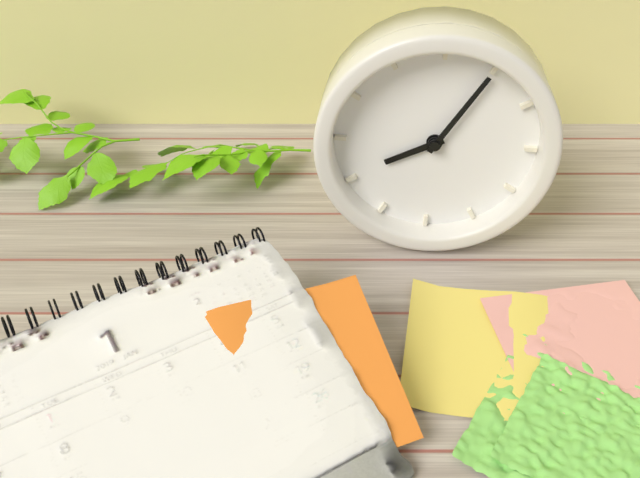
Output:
8.05
